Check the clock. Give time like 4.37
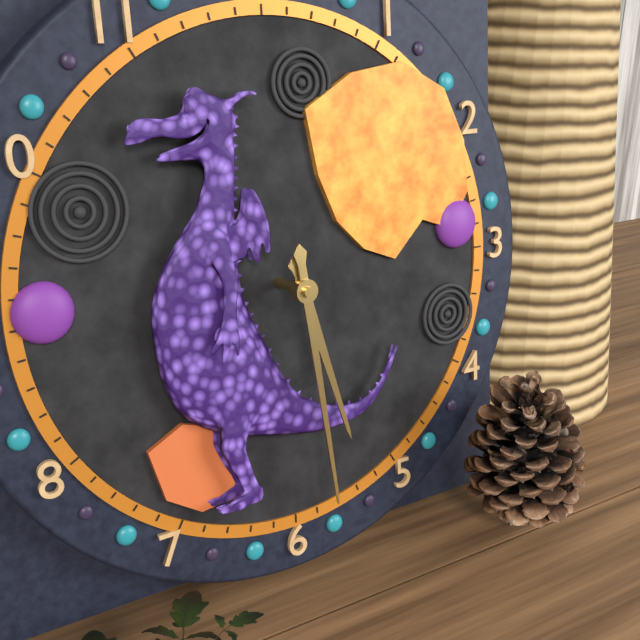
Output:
5.29
